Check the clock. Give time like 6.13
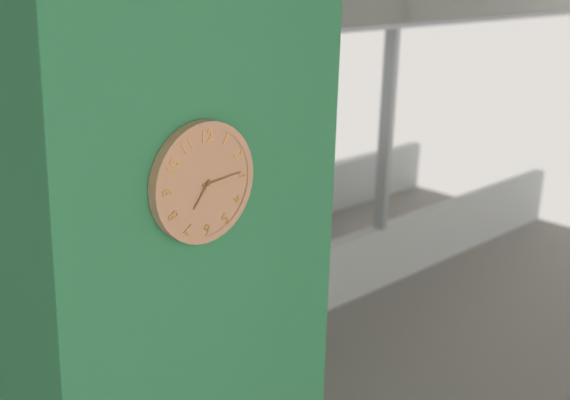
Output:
7.14
